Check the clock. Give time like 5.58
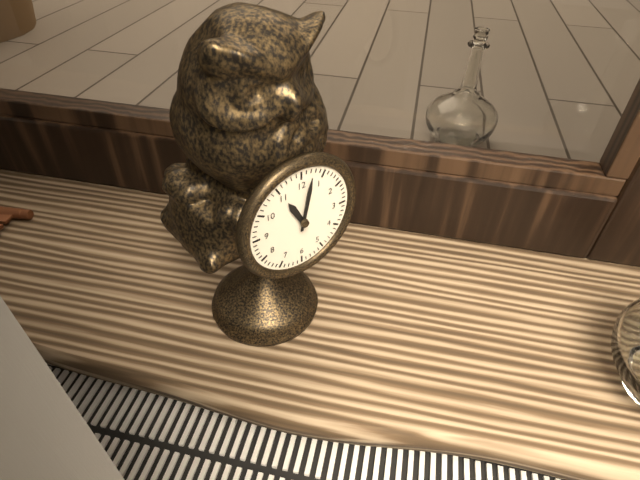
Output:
11.02
